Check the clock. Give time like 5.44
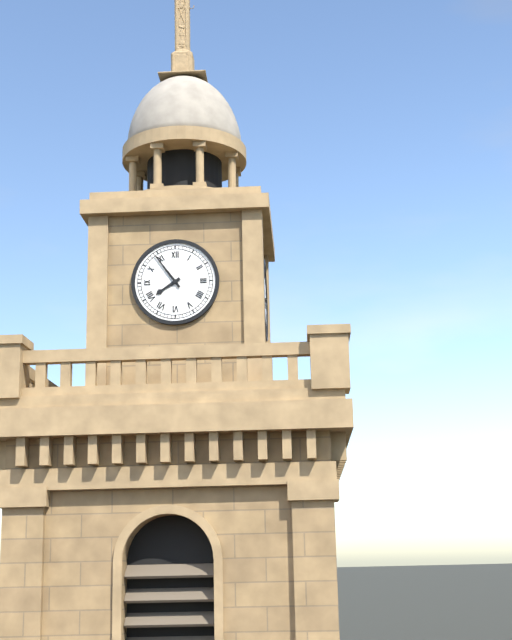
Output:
7.54
